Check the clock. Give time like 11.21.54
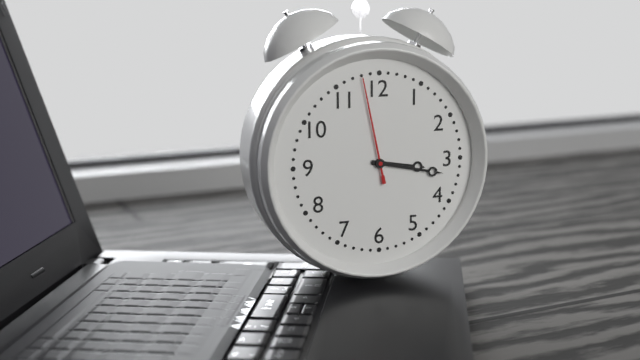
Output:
3.17.58
